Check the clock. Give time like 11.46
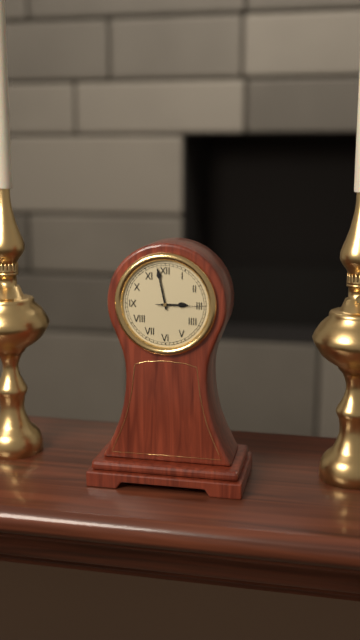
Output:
2.58
